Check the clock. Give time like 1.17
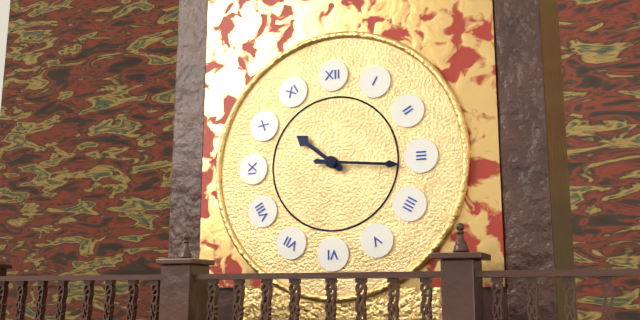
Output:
10.16
